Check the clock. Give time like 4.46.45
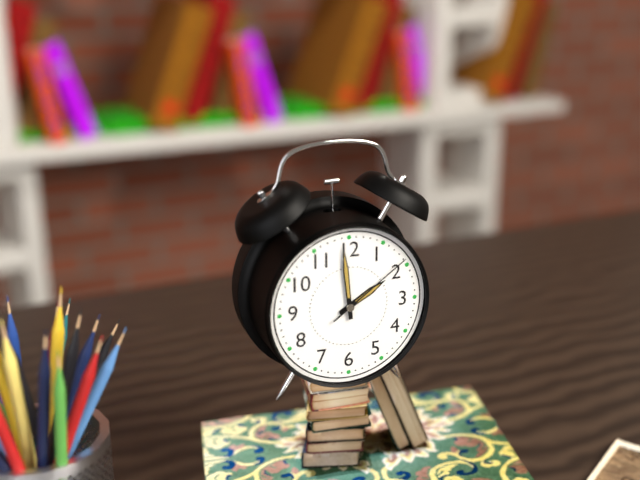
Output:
1.59.09
